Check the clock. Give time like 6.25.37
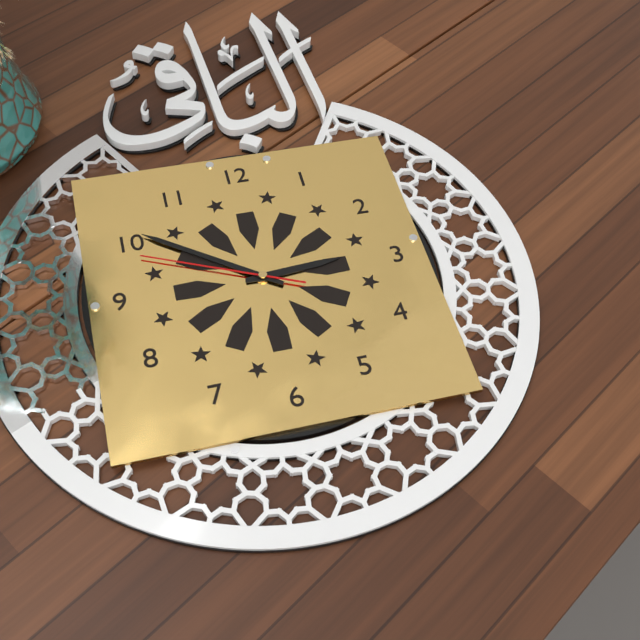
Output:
2.51.49
